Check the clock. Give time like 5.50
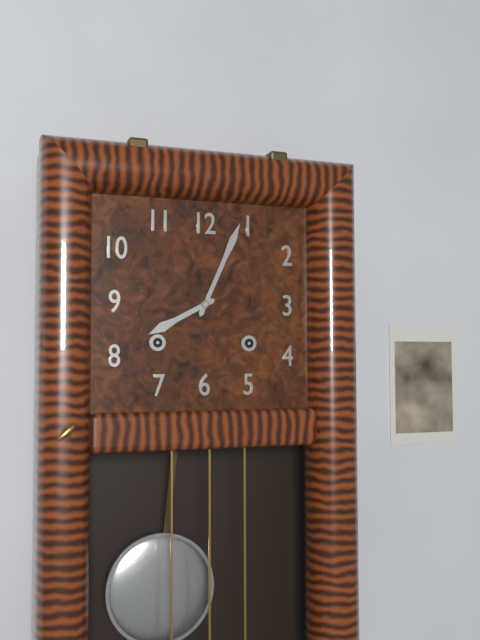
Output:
8.04
